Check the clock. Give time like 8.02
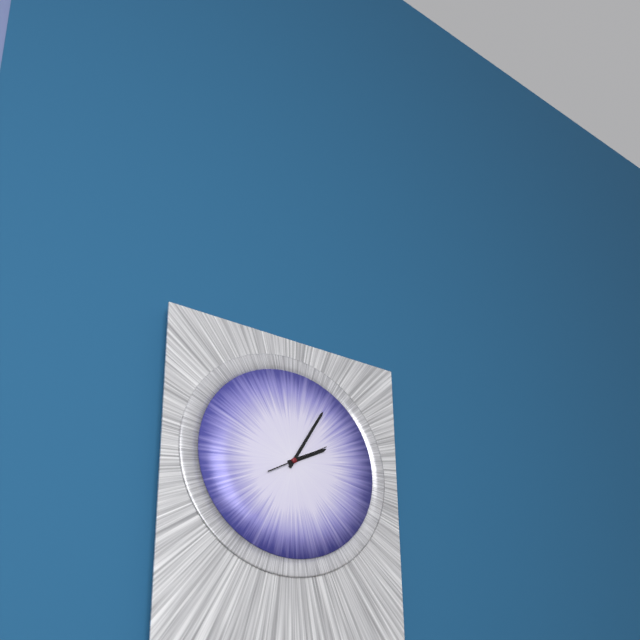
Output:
2.05
